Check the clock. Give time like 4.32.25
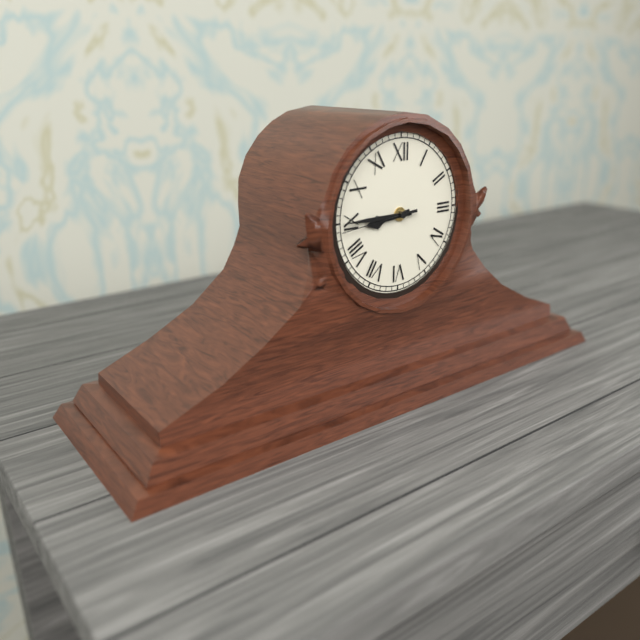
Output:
8.45.44
